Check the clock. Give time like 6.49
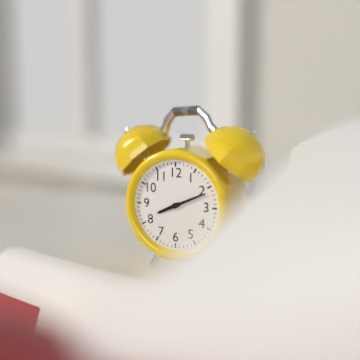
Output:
8.11
